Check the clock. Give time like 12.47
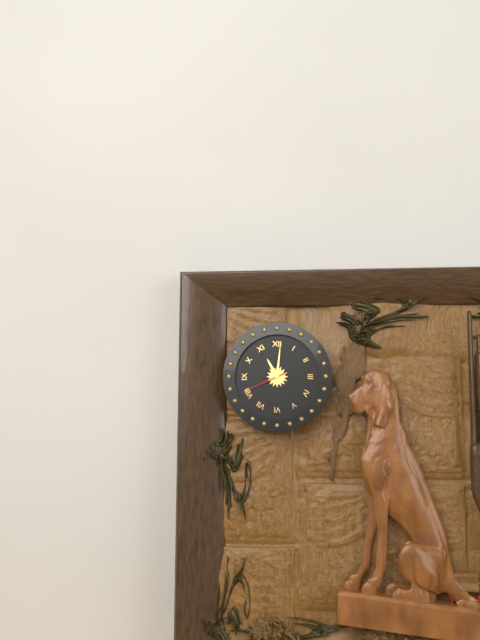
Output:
11.01
